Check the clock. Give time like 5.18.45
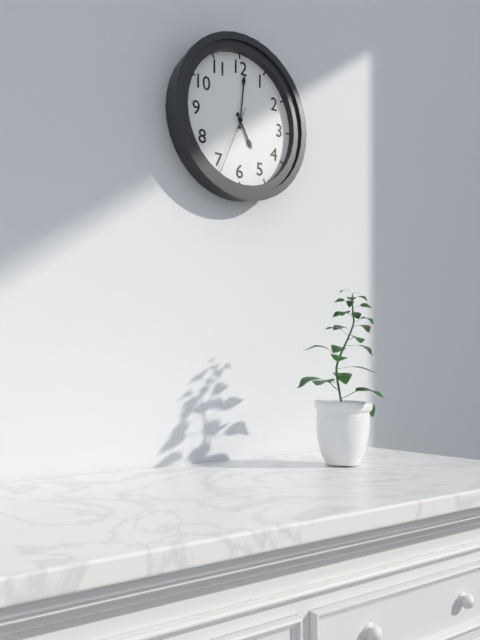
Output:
5.01.34
